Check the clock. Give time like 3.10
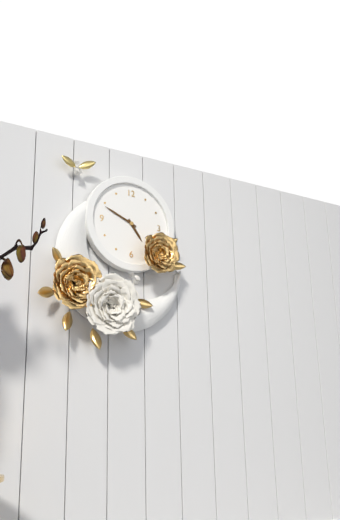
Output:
4.49
